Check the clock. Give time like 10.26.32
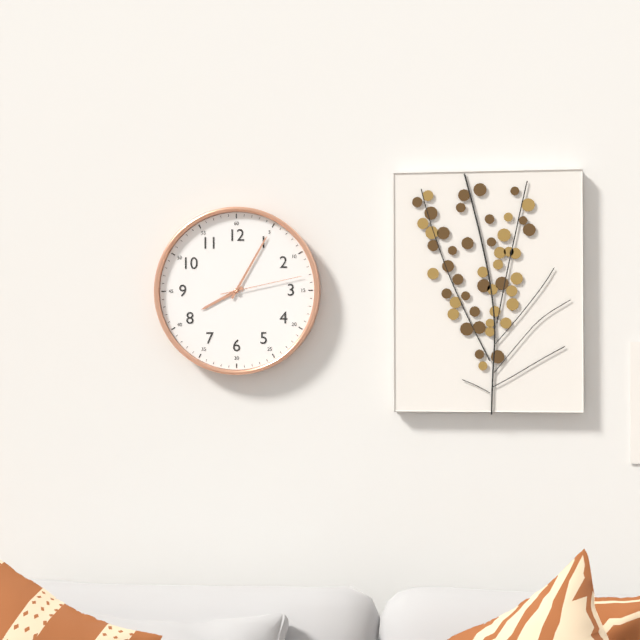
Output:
8.05.13
